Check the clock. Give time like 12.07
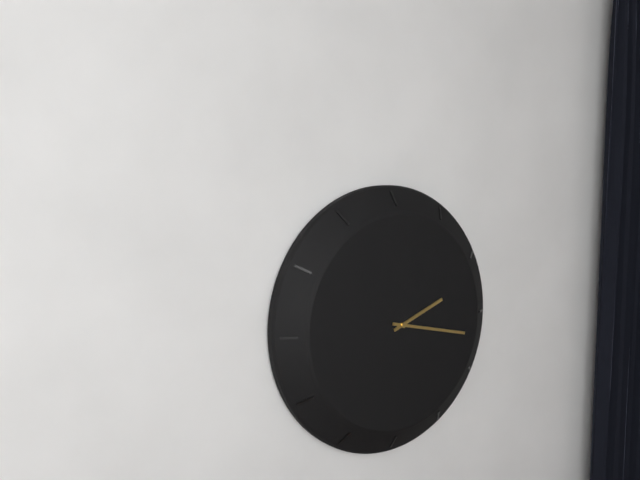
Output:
2.17
